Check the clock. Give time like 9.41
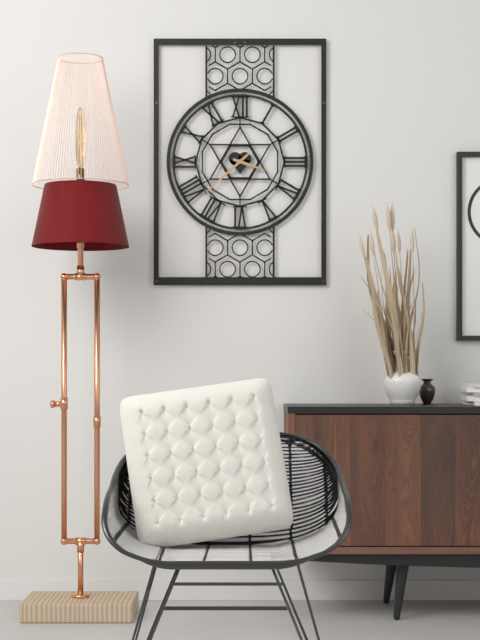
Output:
3.38
